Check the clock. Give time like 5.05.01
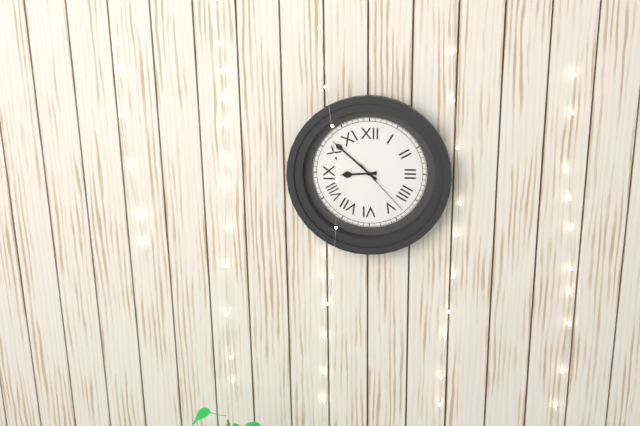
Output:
8.52.23
